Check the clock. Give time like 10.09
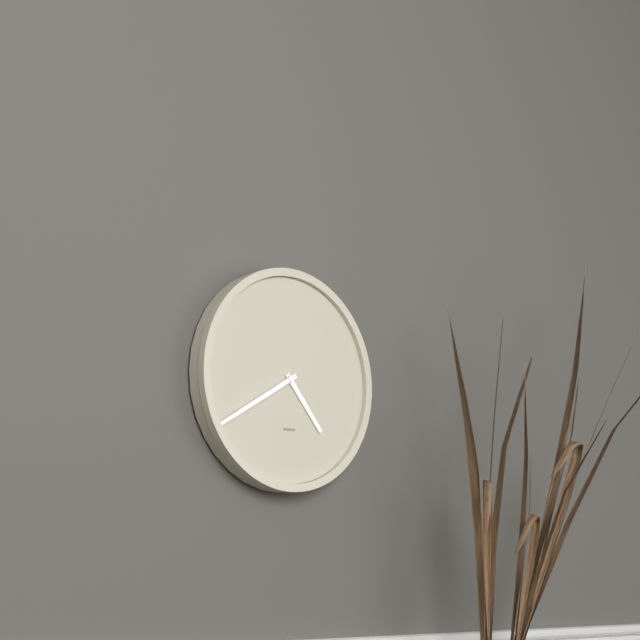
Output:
4.40
